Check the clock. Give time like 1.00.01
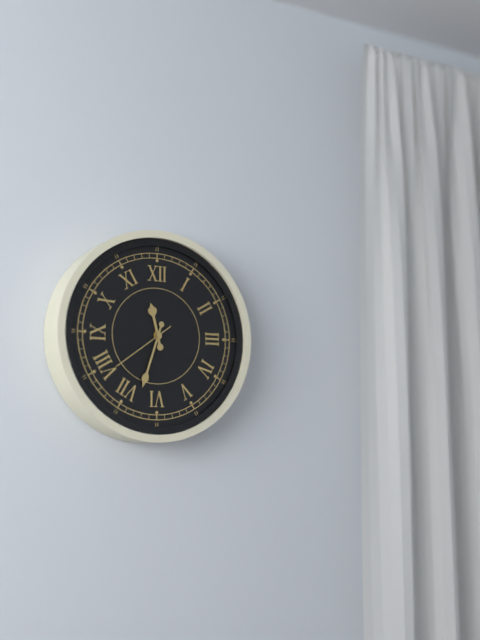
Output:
11.33.39
